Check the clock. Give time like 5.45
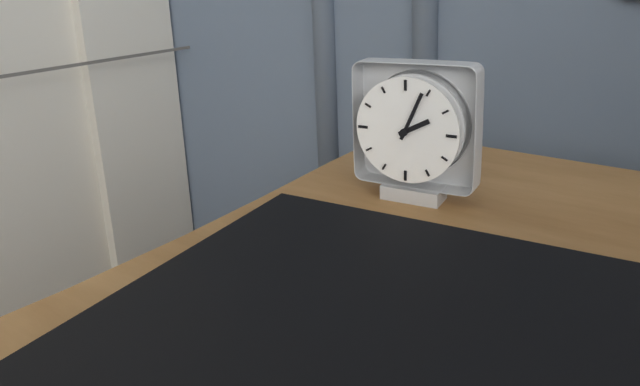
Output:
2.04
